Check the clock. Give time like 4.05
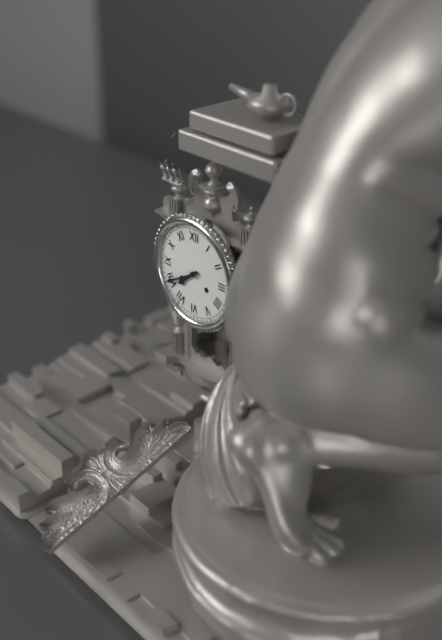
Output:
7.40
